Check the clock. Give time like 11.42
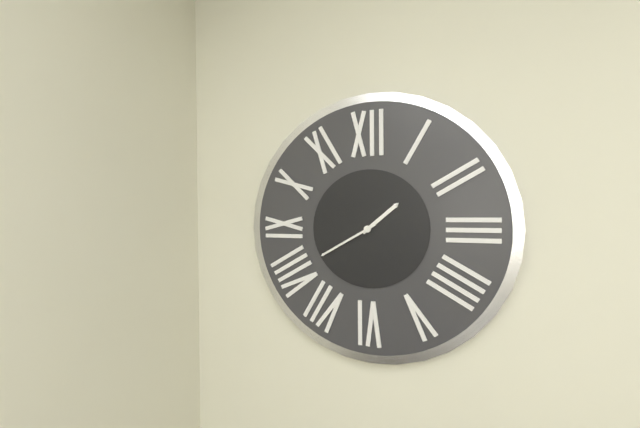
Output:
1.40
